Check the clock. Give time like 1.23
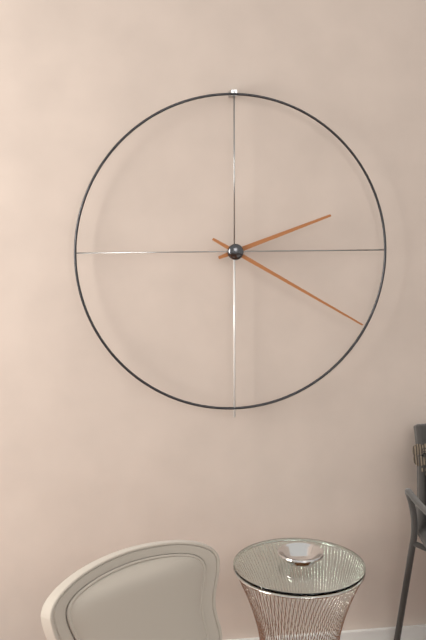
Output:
2.20
